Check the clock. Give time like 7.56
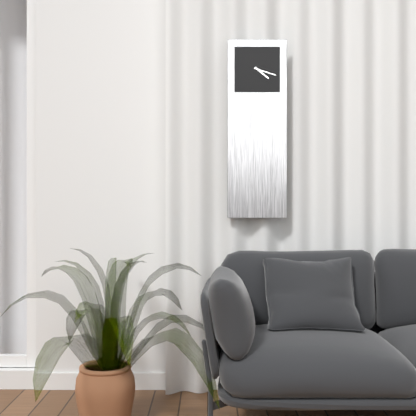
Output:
4.18
